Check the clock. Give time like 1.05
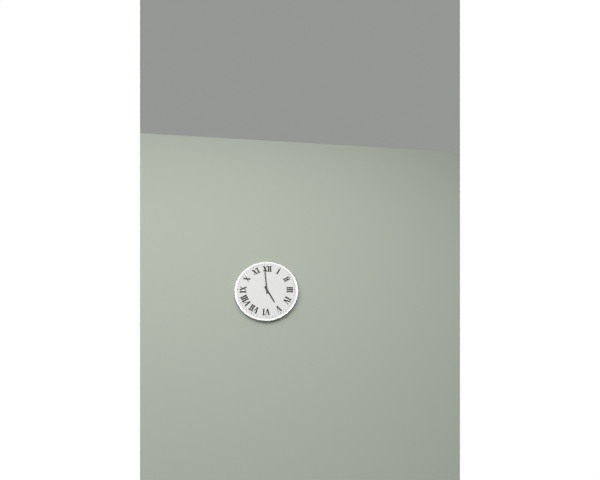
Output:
4.59
